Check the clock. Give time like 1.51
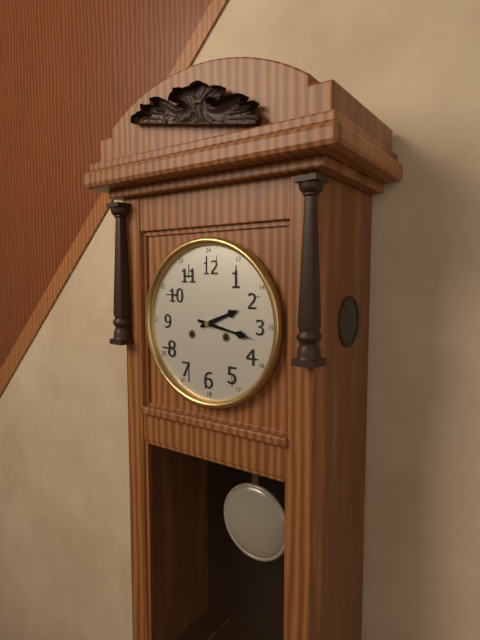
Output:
2.17
